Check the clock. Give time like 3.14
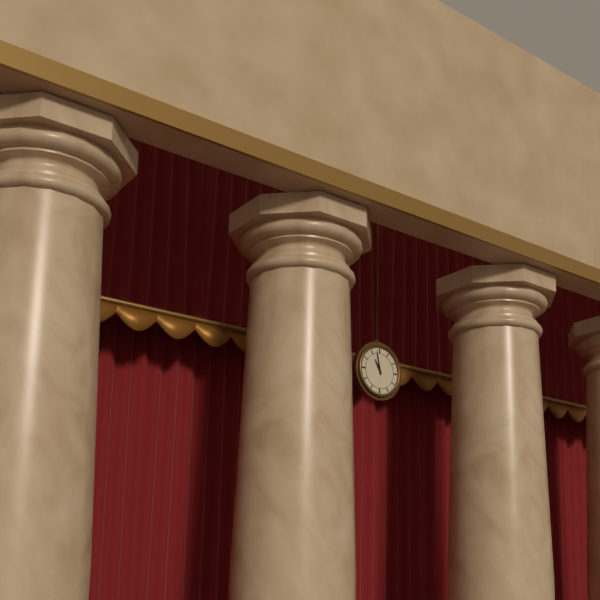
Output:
10.58
